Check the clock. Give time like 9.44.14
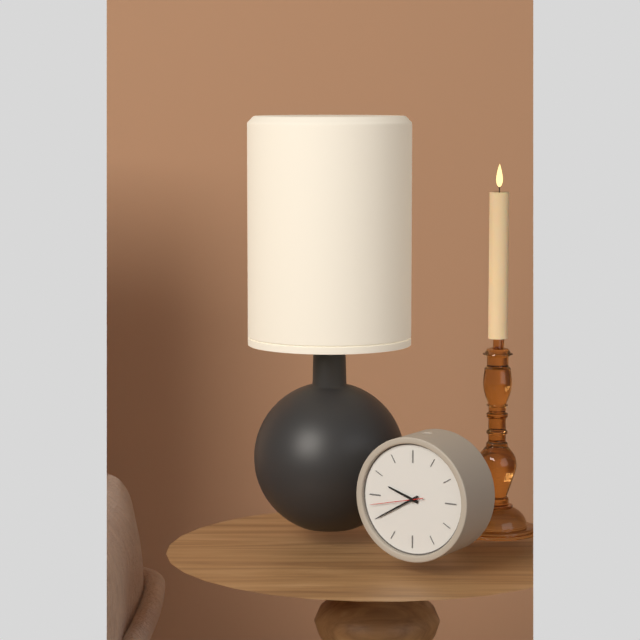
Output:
9.40.43
